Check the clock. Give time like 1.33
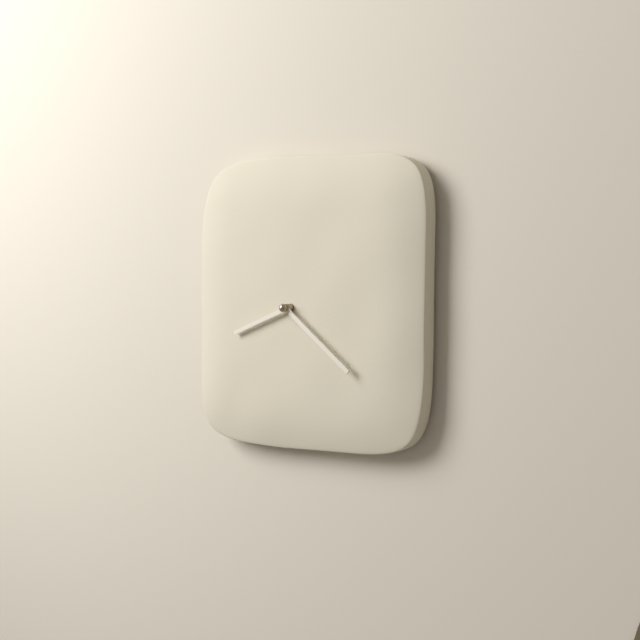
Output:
8.21
